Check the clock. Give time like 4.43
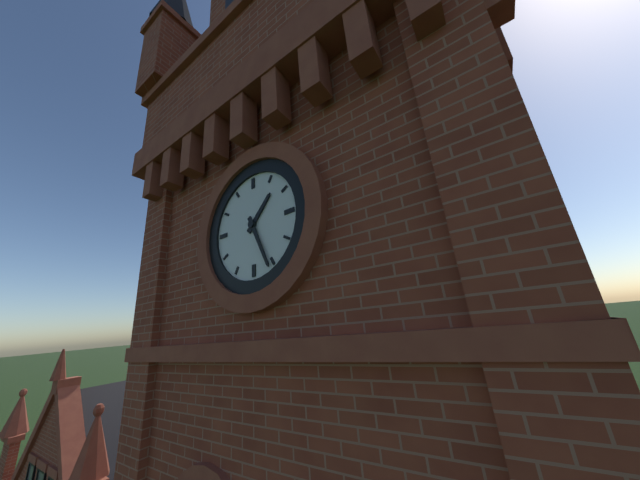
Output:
1.26
